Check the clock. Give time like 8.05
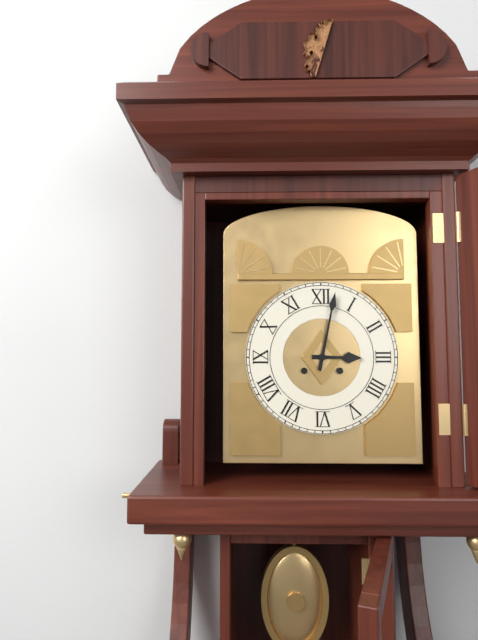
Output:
3.02
